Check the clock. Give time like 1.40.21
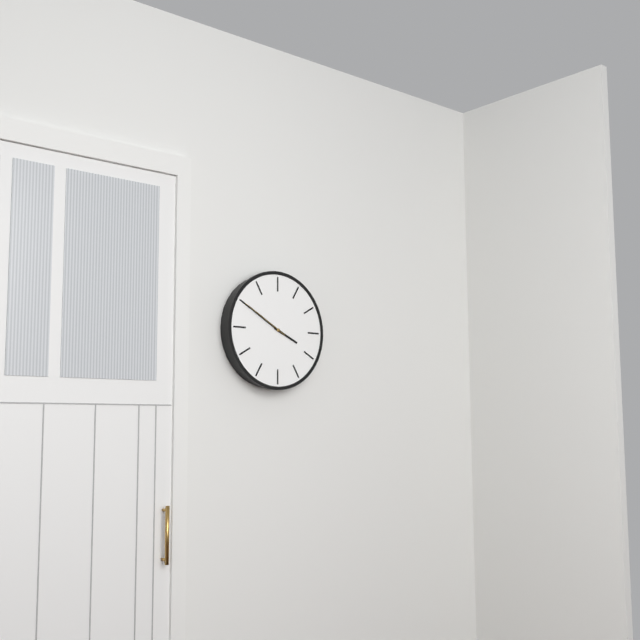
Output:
3.50.50
